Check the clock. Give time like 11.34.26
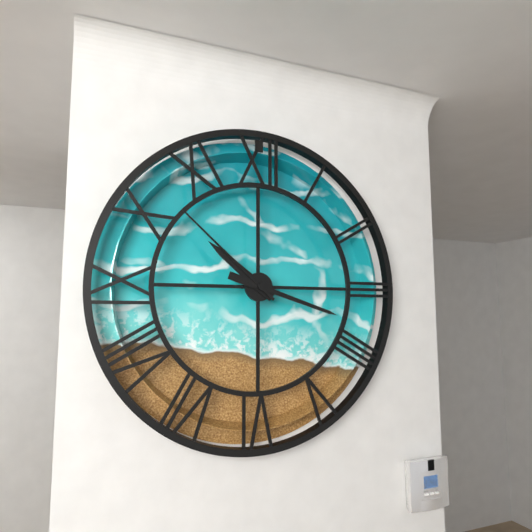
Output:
10.18.52
